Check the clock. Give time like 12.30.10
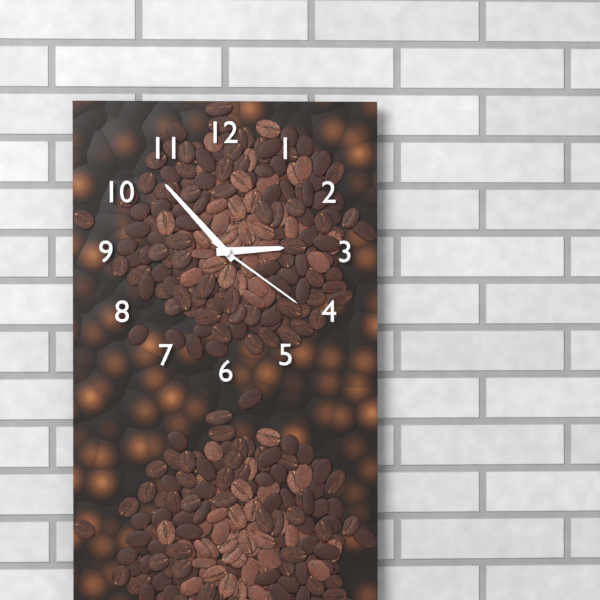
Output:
2.53.21
